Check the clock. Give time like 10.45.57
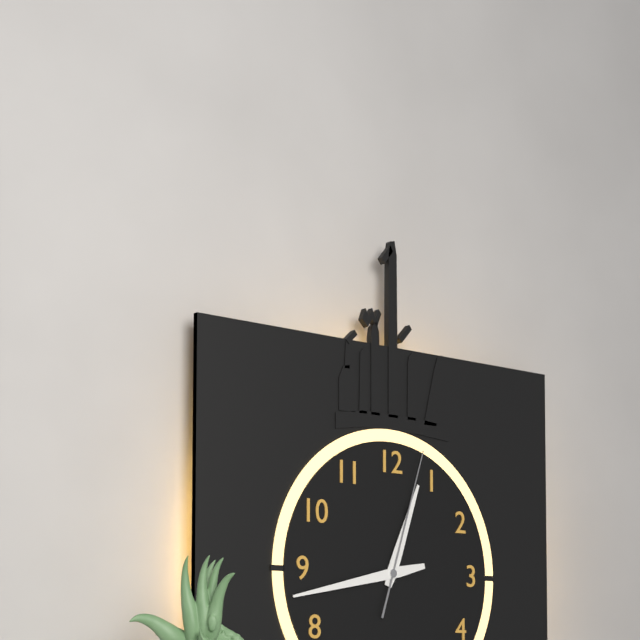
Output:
12.43.03
